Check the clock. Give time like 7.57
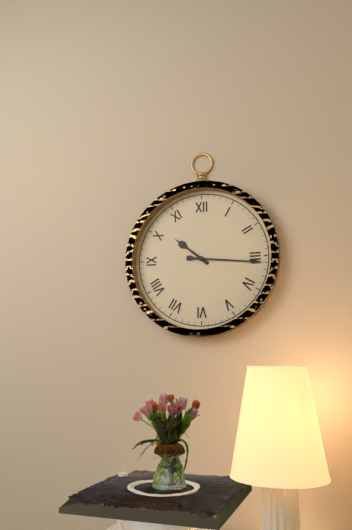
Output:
10.16
